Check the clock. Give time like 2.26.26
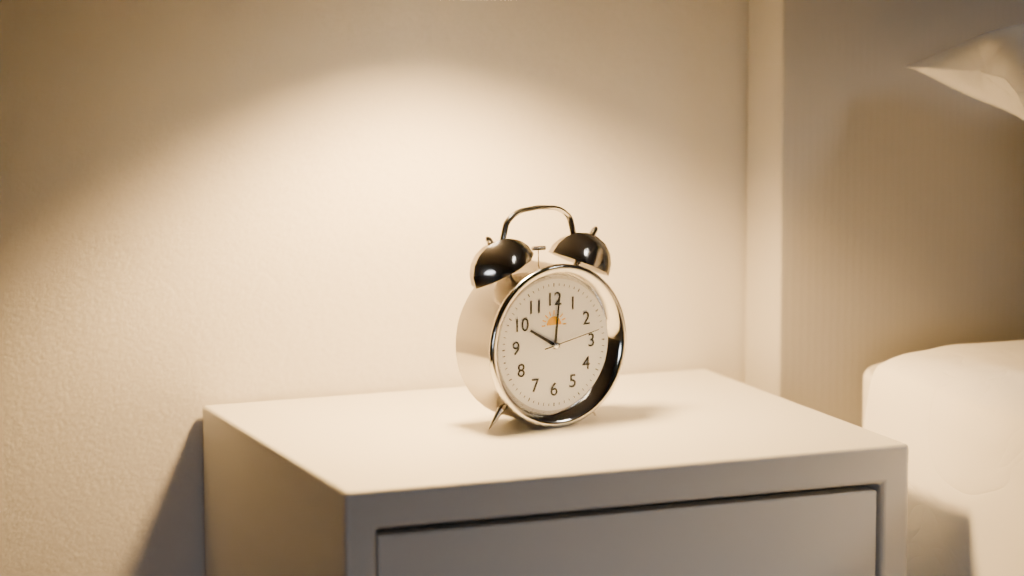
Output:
10.01.13
